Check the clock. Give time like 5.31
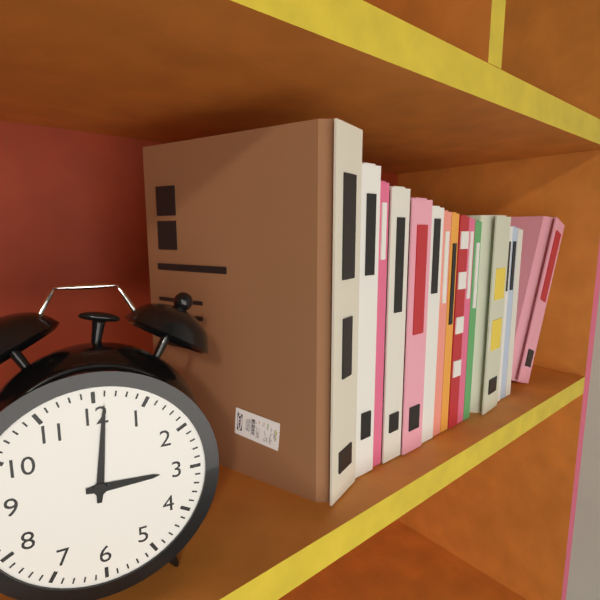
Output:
3.01
